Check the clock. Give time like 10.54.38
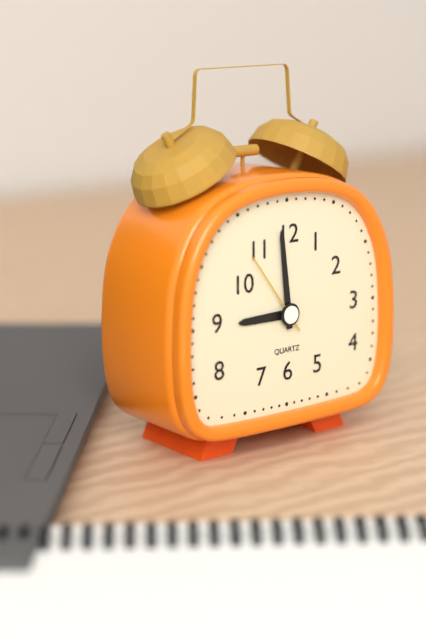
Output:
8.59.54
